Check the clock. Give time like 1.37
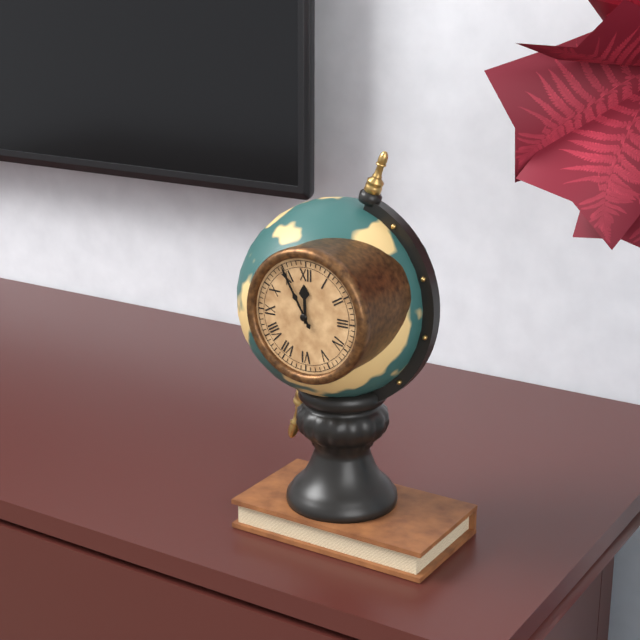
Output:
11.55
